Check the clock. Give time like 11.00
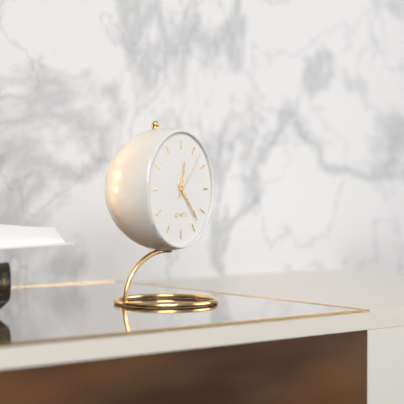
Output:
12.23
